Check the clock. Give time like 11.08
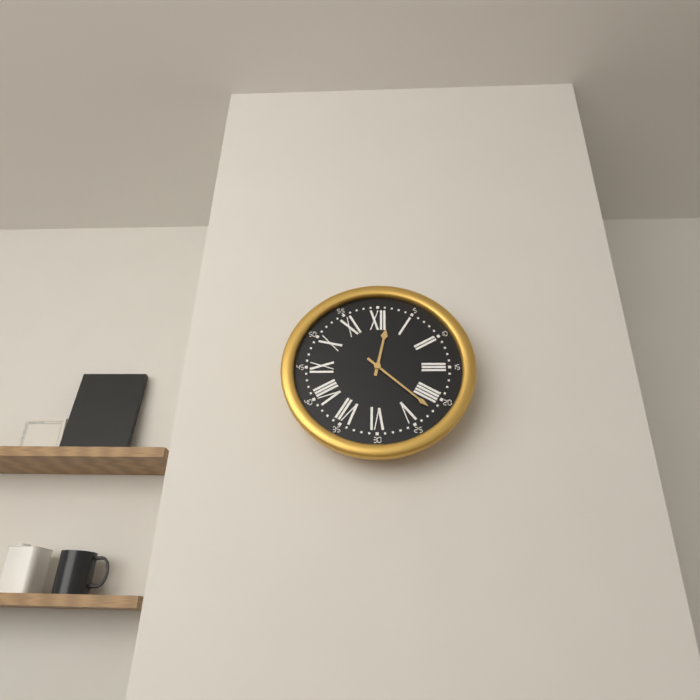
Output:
12.22
